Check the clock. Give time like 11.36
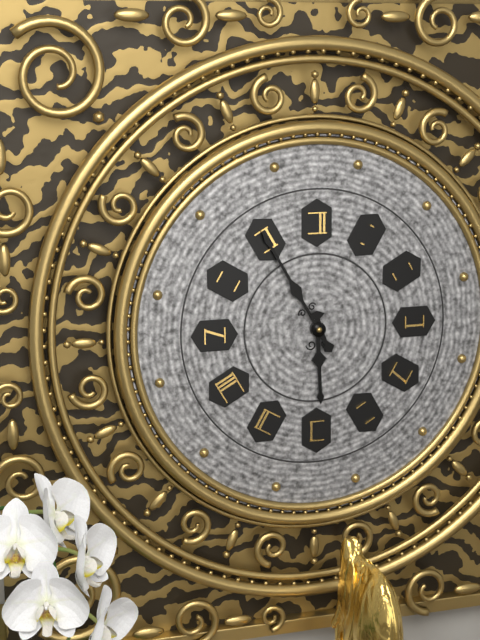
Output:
5.55
